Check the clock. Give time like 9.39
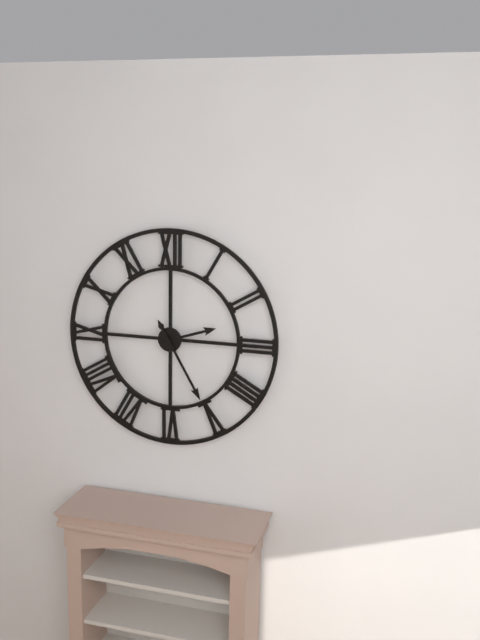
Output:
2.25
